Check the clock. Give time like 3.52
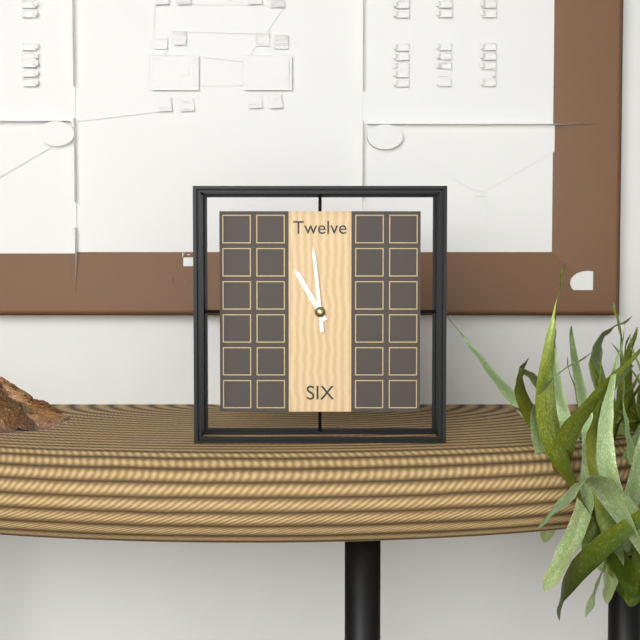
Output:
10.59
